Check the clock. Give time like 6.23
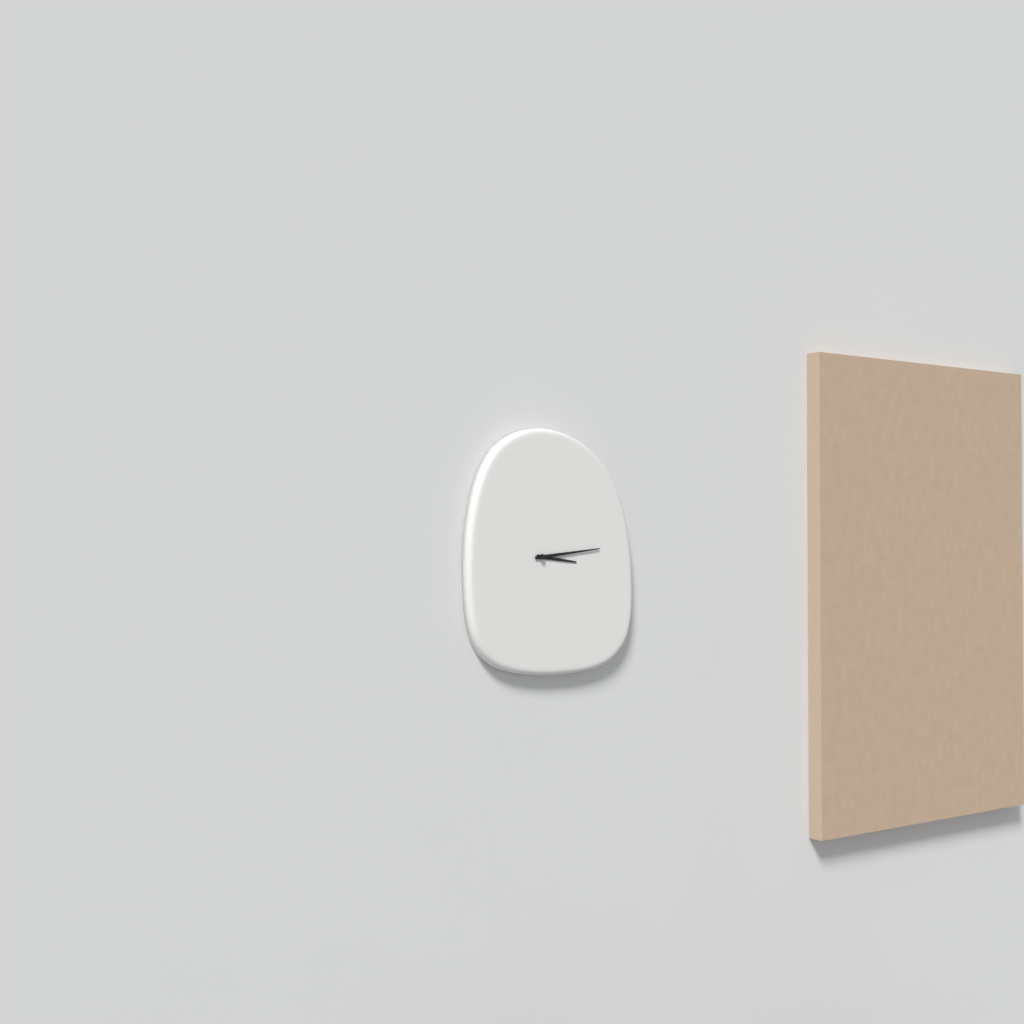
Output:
3.14
